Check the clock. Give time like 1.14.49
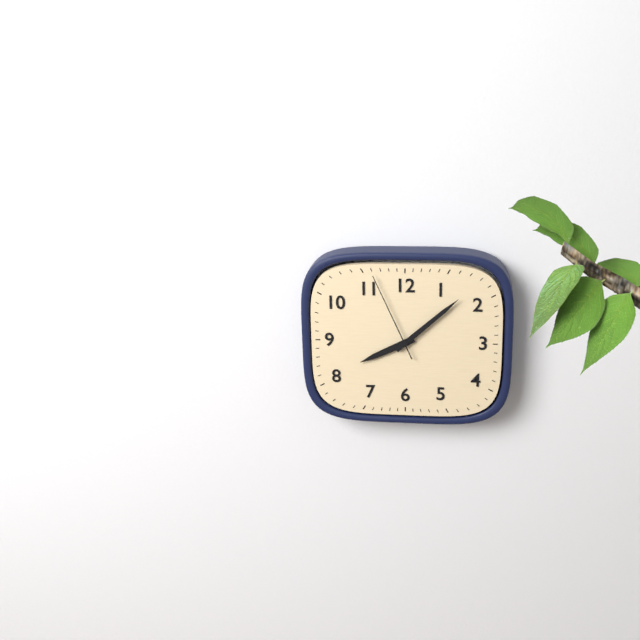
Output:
8.08.56
